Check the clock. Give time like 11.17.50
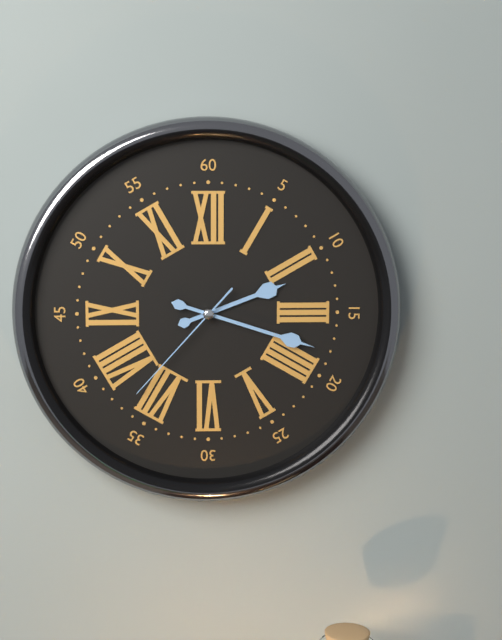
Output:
2.18.37
